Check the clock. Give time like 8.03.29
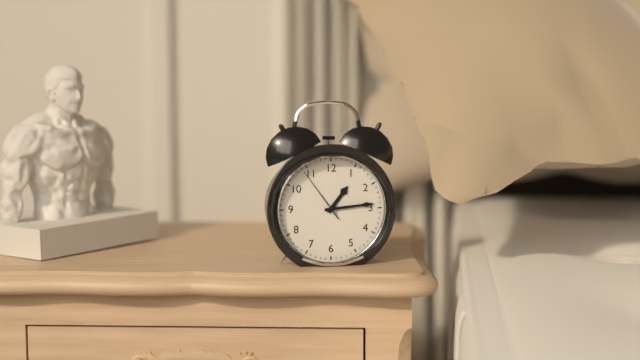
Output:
1.14.54
